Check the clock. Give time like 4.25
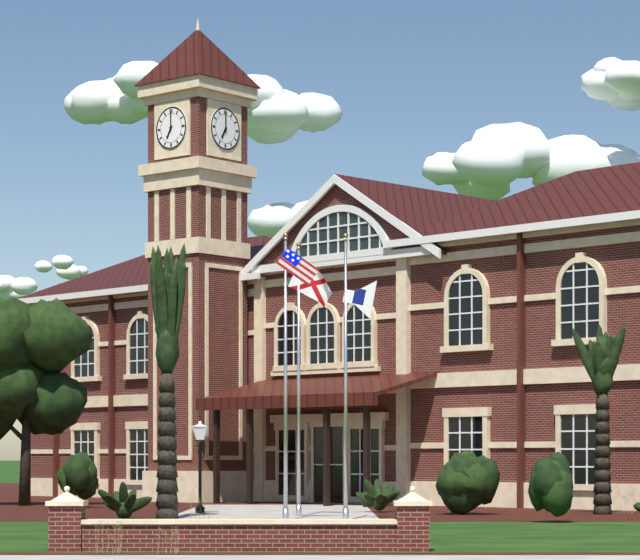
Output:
7.00
